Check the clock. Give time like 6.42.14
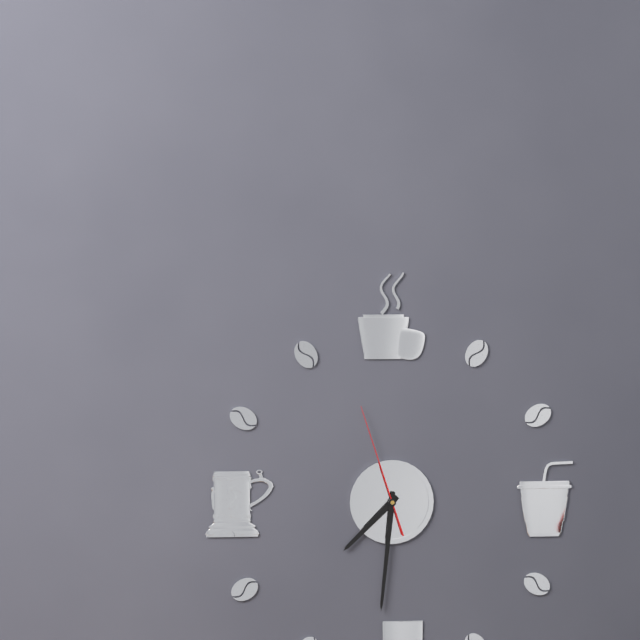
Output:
7.31.57
